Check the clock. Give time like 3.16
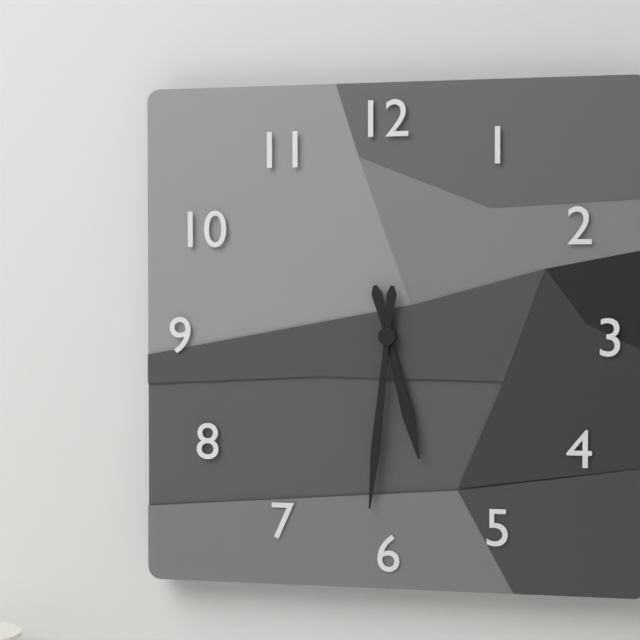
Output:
5.31
